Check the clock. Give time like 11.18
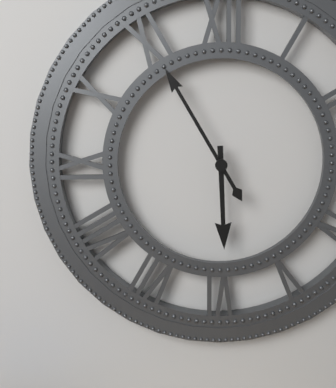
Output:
5.55
